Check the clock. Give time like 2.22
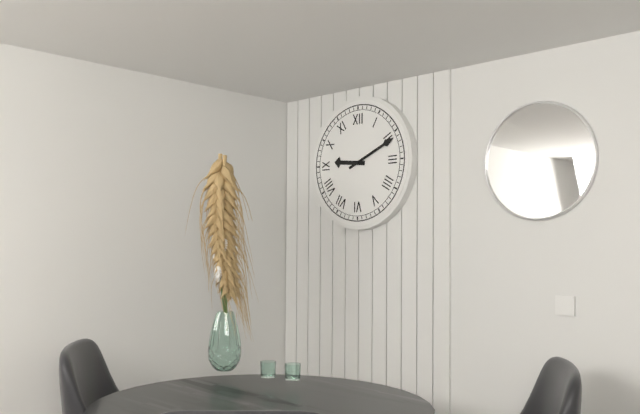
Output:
9.11
